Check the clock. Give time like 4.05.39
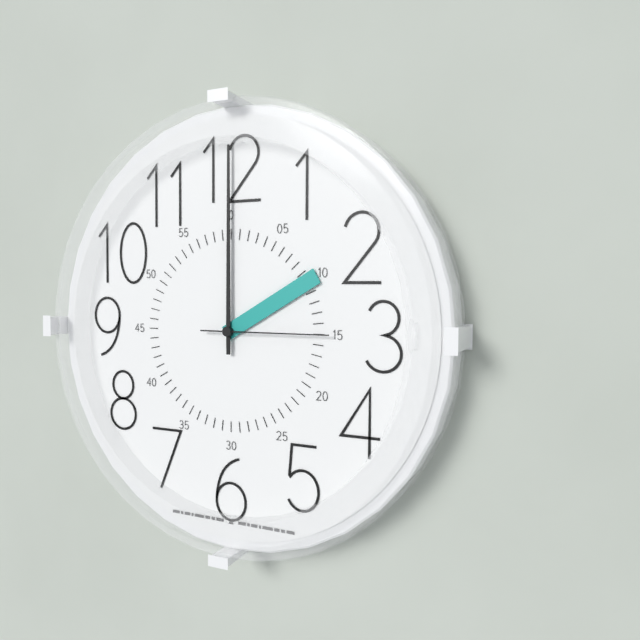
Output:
2.00.15
